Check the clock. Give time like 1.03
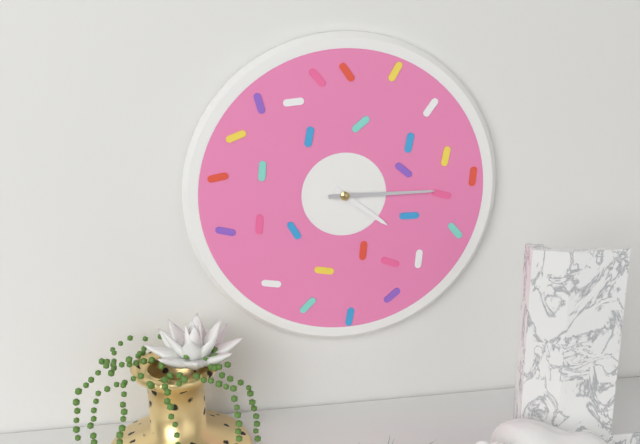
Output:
4.15
